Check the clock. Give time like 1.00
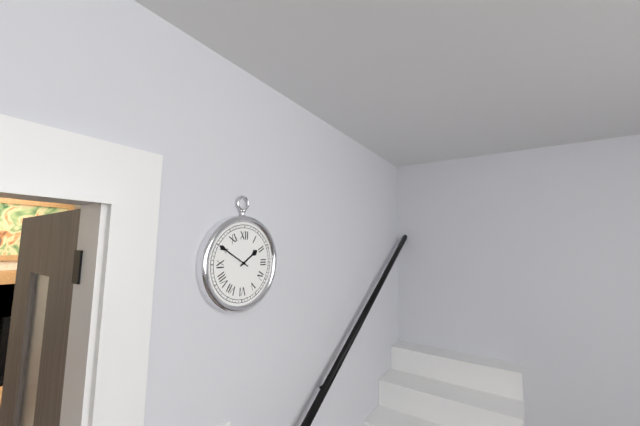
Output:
1.50
